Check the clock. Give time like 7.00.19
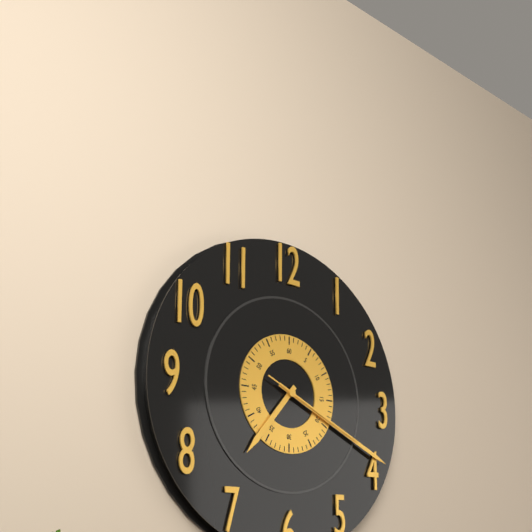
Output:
7.19.19
